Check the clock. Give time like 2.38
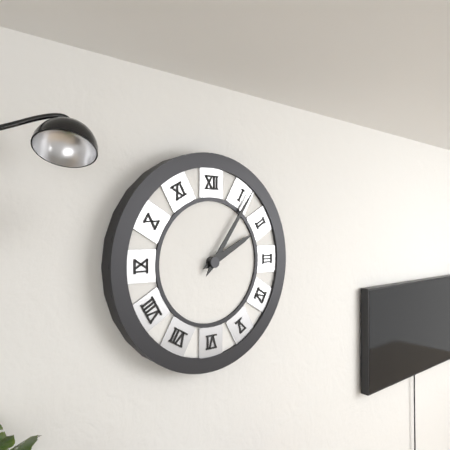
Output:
2.06
